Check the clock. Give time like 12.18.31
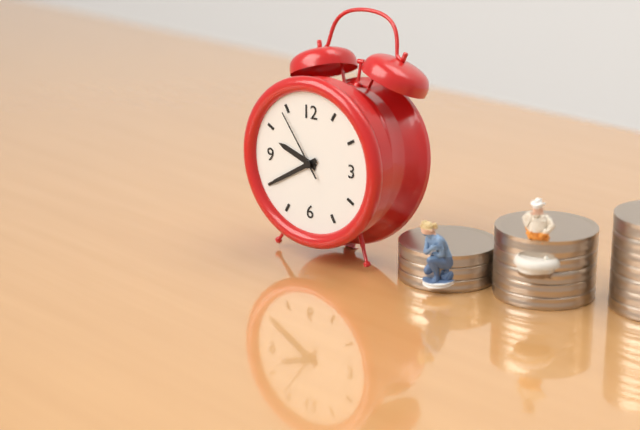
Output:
9.40.54
